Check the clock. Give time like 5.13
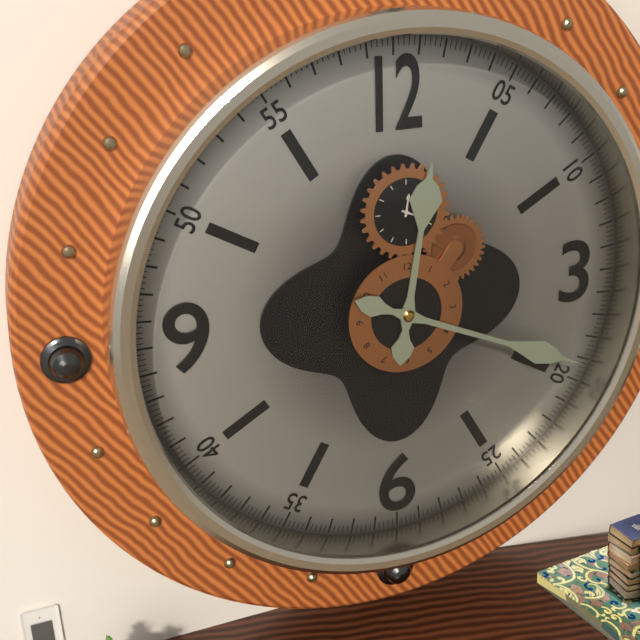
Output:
12.19
